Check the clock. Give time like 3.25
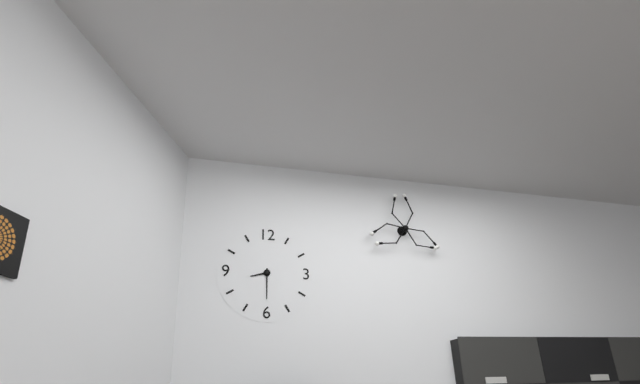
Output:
8.30
